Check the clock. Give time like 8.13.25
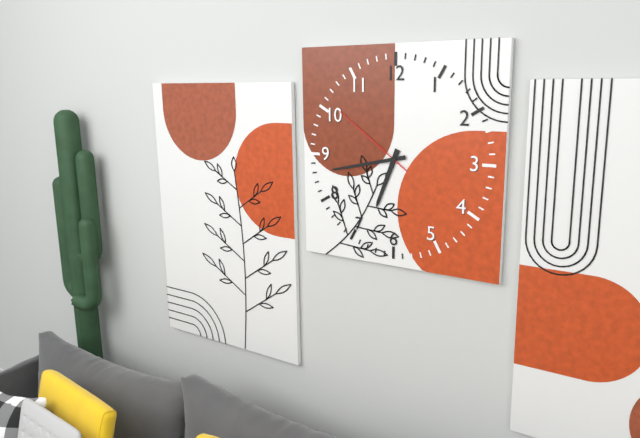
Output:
6.43.51
